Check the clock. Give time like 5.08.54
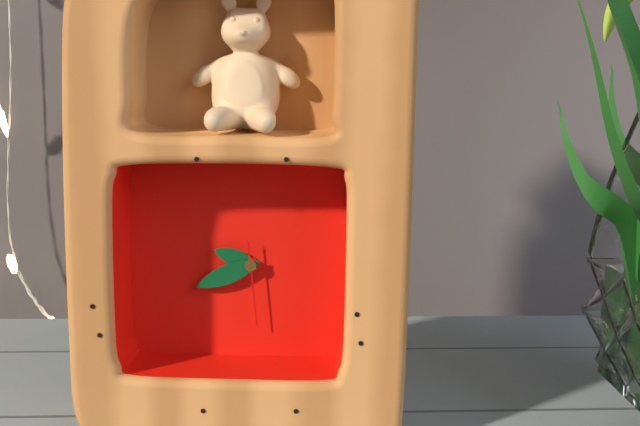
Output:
9.41.29
